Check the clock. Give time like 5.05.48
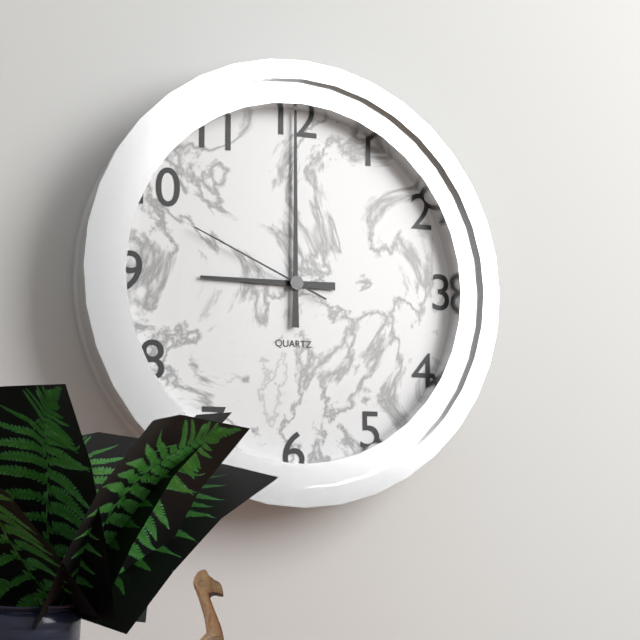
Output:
9.00.49
